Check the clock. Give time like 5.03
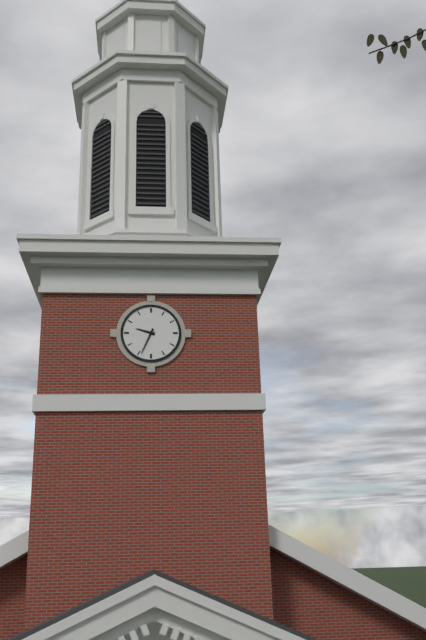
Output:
9.34
